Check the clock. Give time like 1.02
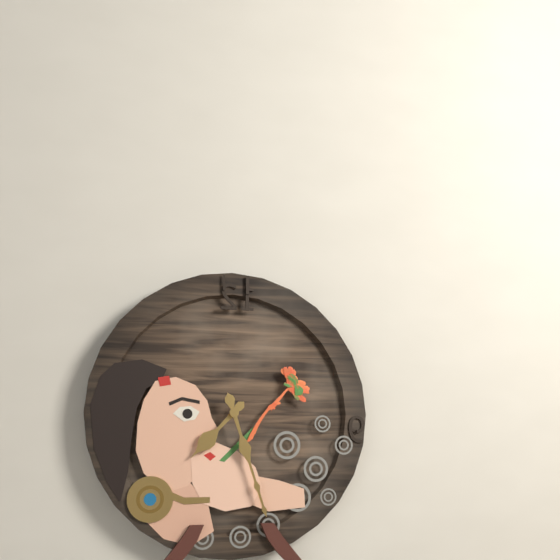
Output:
7.27
